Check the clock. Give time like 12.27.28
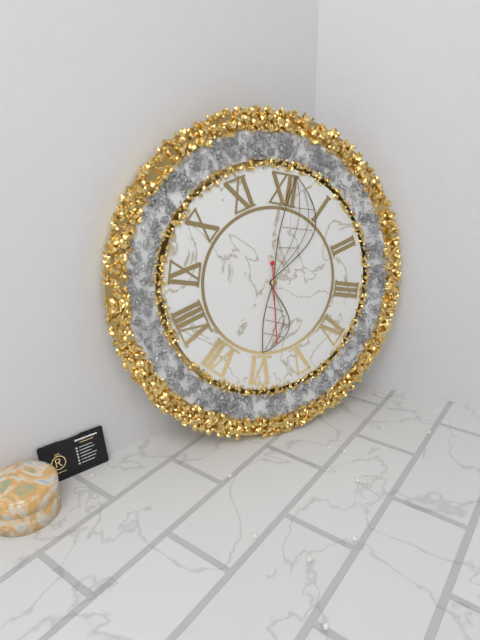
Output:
6.01.28
